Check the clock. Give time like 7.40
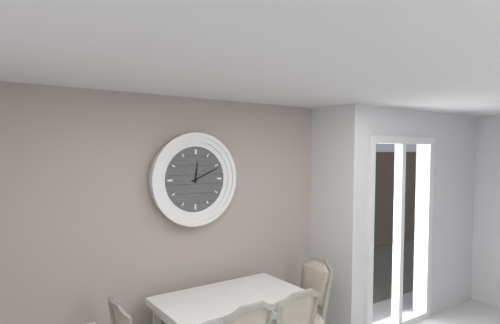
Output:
12.11
